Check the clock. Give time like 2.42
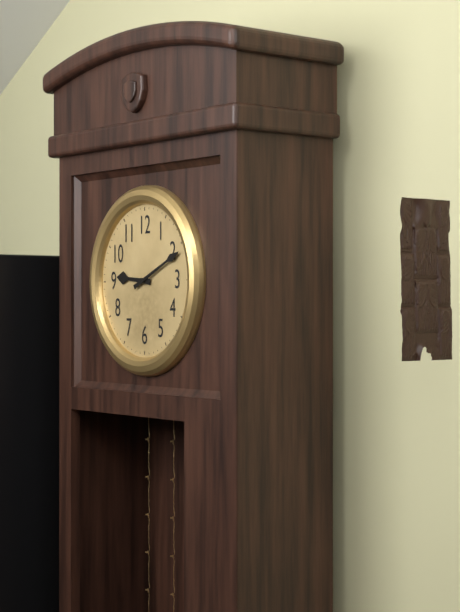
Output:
9.11
